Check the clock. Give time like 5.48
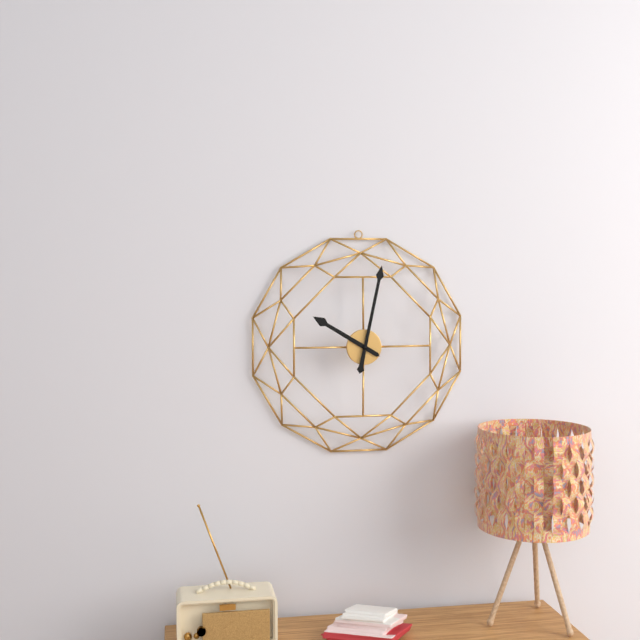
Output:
10.02
